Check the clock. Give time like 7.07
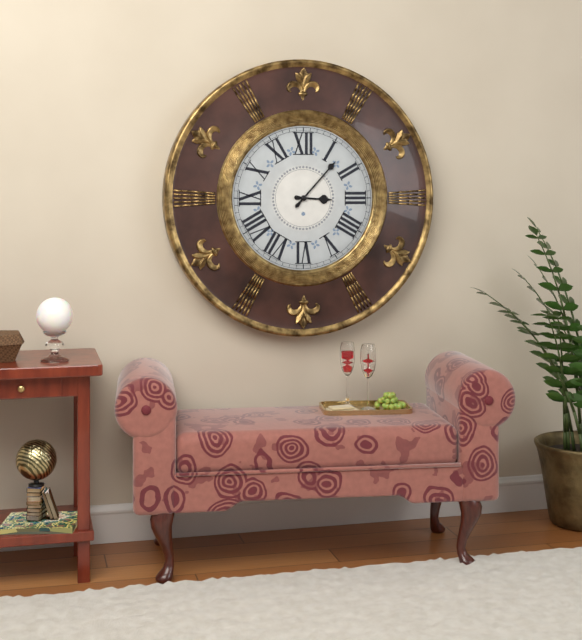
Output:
3.07
